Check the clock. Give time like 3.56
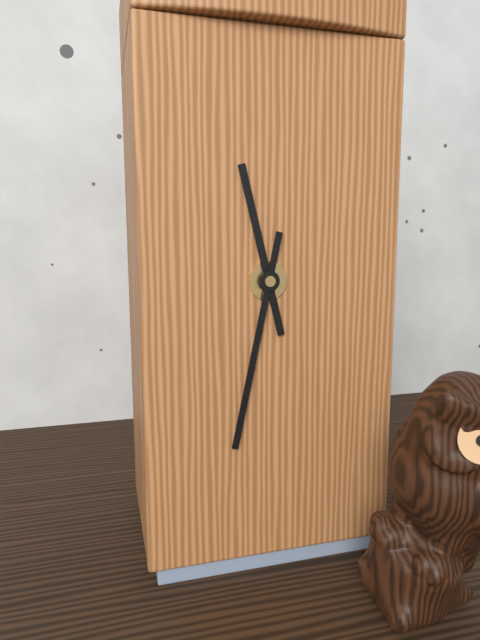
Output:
11.32
